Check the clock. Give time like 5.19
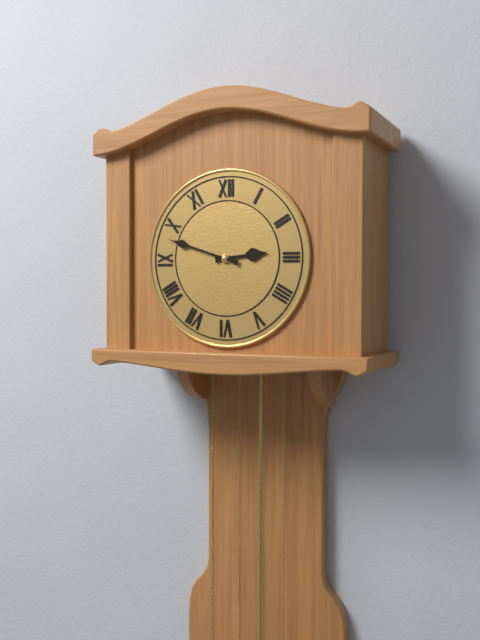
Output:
2.48
